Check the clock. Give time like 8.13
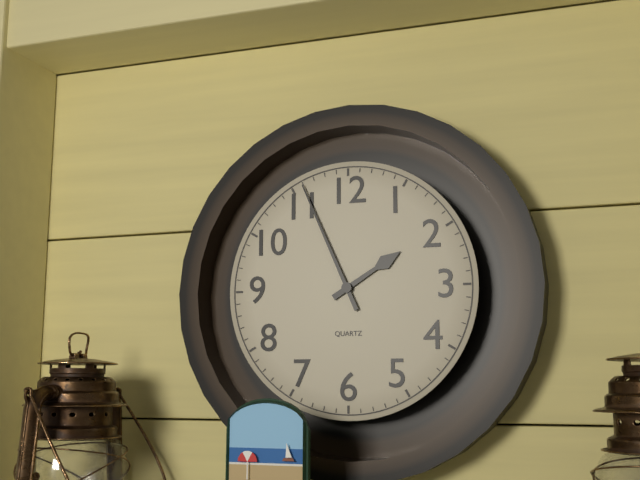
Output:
1.56
